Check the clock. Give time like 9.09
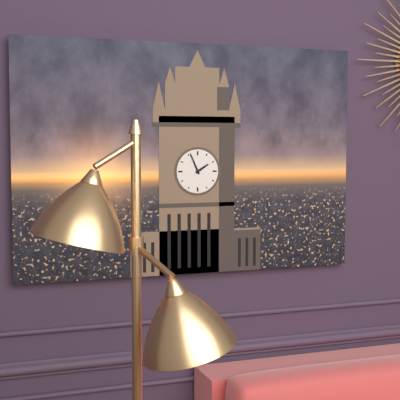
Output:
1.56
